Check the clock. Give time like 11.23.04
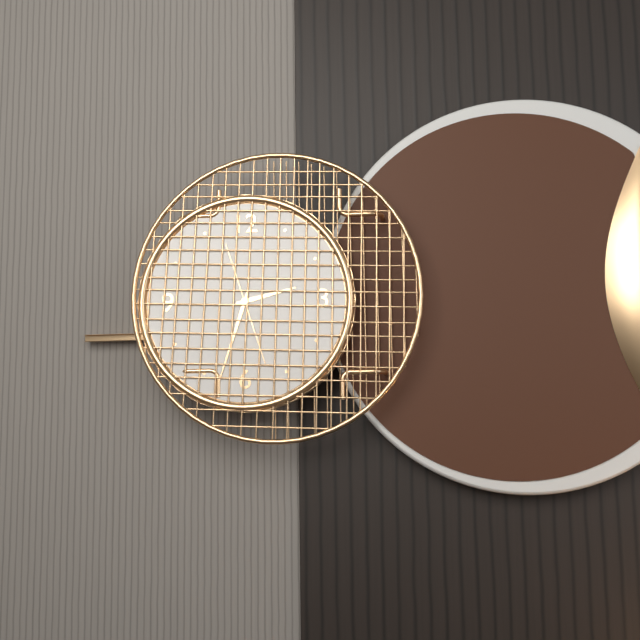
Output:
2.33.27
